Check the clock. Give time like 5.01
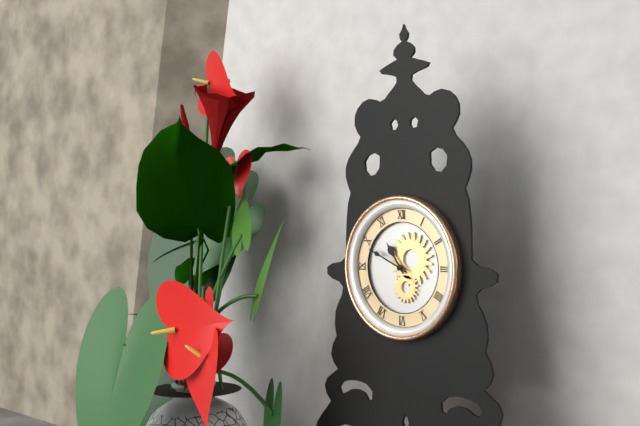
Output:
10.49
